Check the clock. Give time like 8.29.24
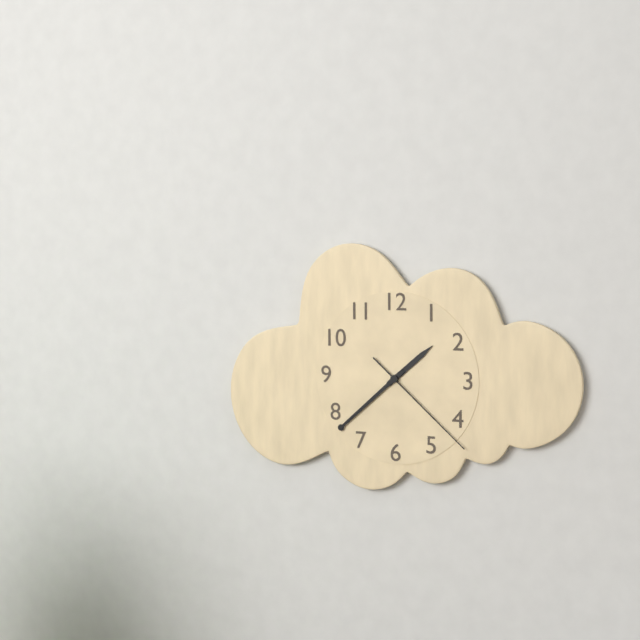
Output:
1.38.22
